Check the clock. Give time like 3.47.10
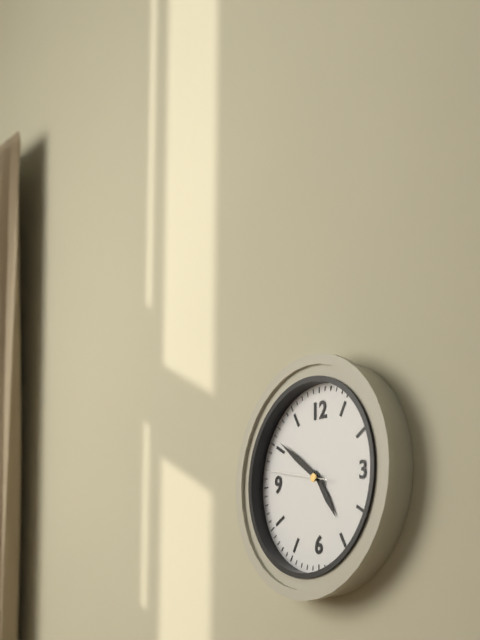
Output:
4.51.47
